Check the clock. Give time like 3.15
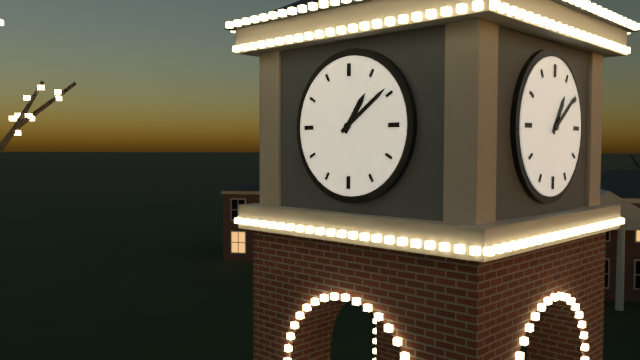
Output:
1.09
